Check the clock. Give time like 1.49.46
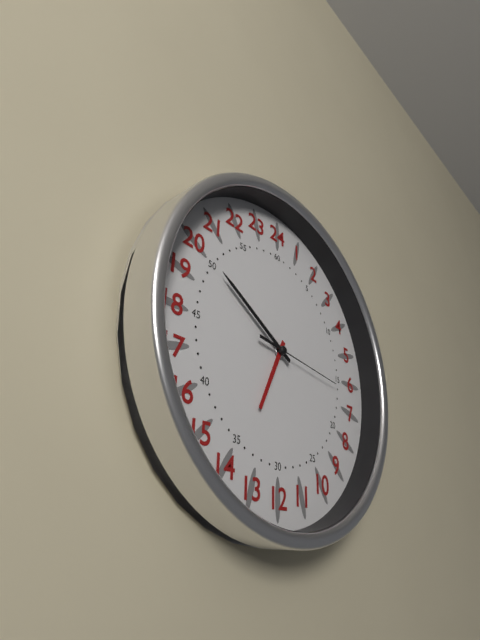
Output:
6.50.16
